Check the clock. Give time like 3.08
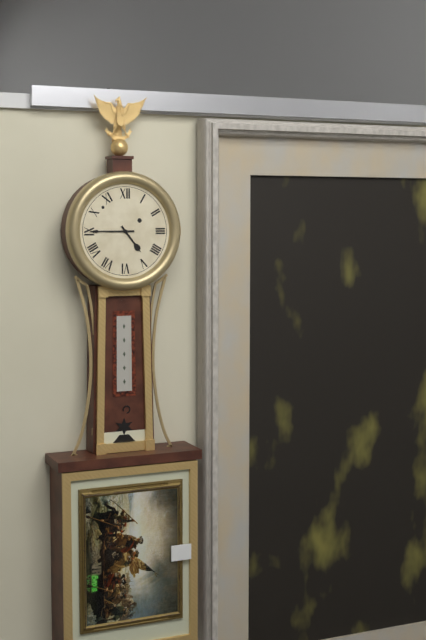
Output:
4.45
